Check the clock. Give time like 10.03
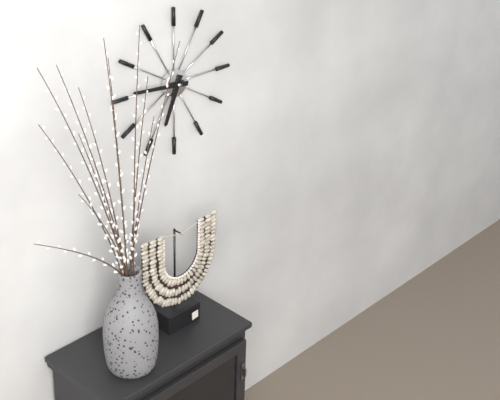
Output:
6.46
